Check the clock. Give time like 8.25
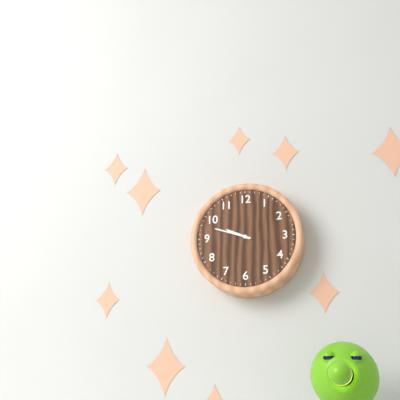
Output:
9.48
